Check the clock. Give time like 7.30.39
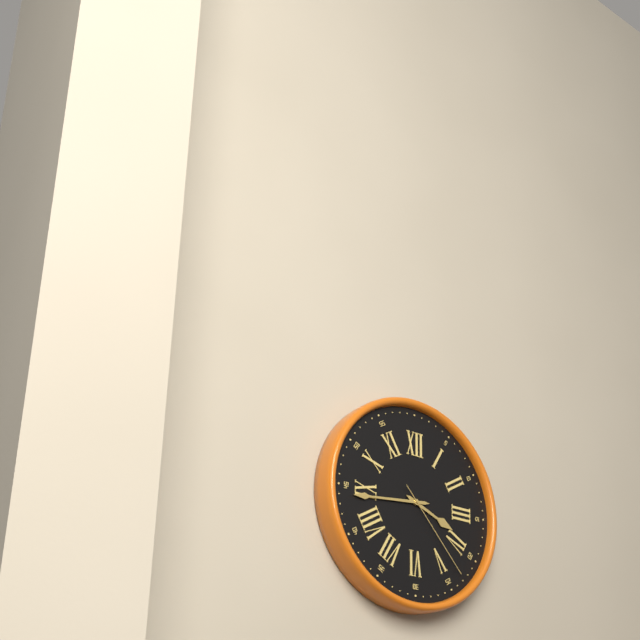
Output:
3.44.23
